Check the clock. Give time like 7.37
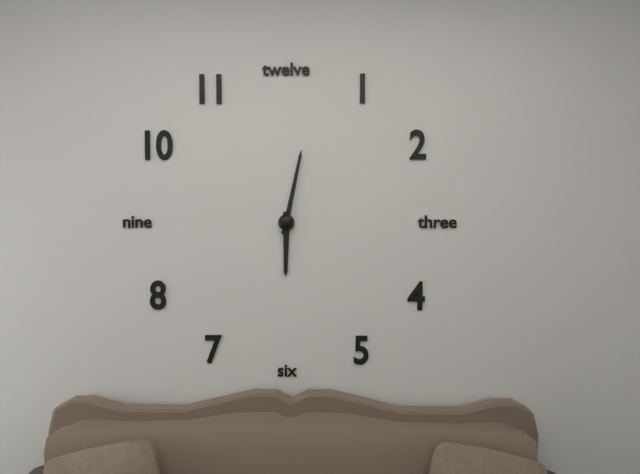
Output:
6.02
